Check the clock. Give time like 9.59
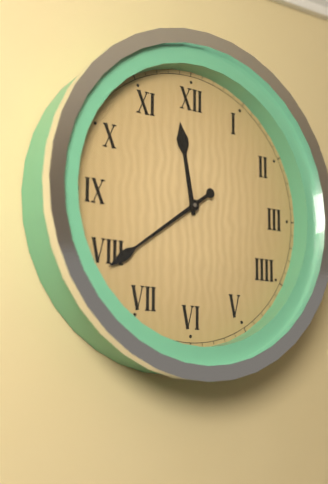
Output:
11.39
